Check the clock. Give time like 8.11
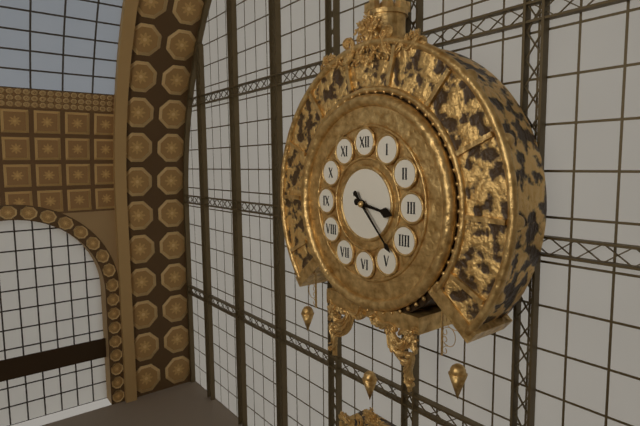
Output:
3.23
